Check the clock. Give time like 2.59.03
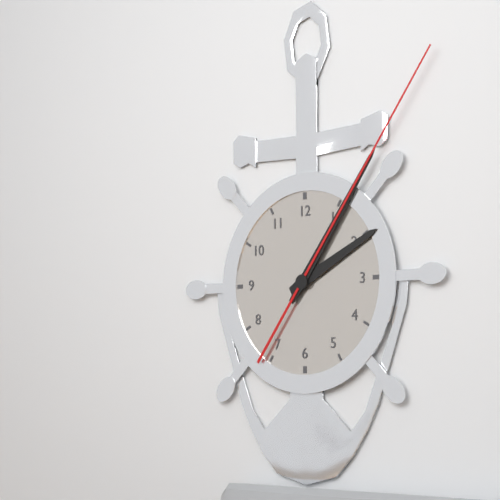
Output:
2.06.06
